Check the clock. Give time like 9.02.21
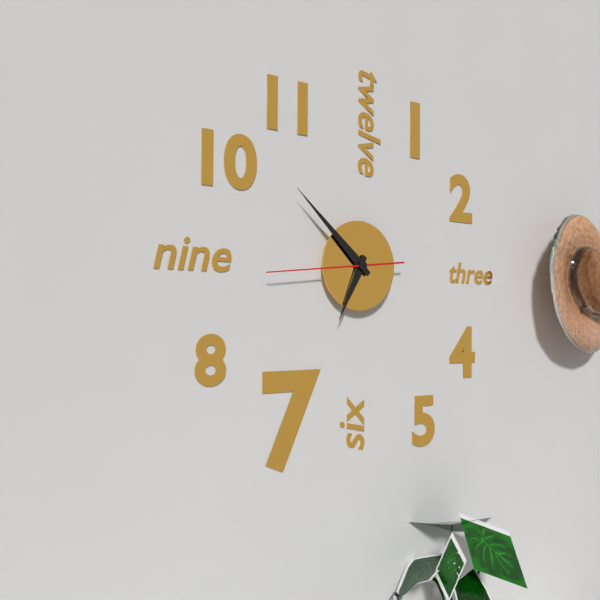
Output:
6.52.44
